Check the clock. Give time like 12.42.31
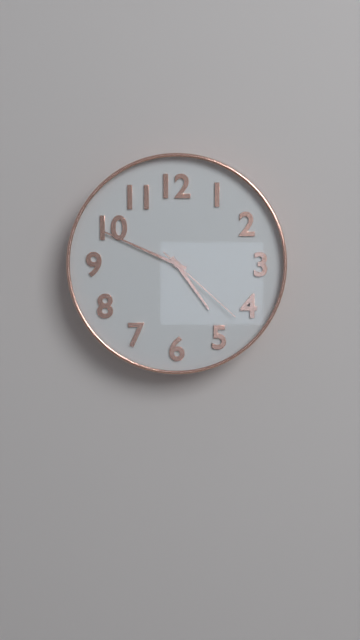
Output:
4.49.22
